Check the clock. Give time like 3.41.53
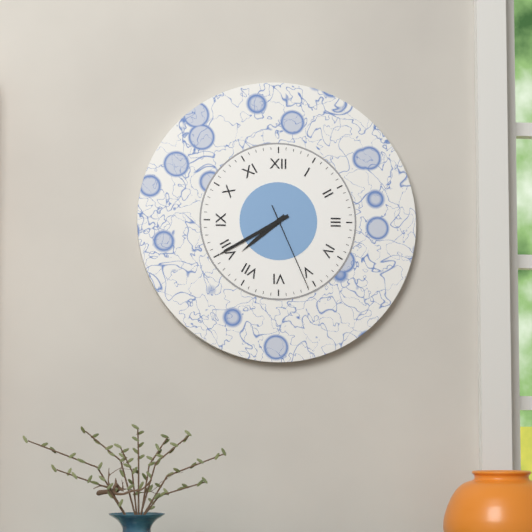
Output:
7.40.26
